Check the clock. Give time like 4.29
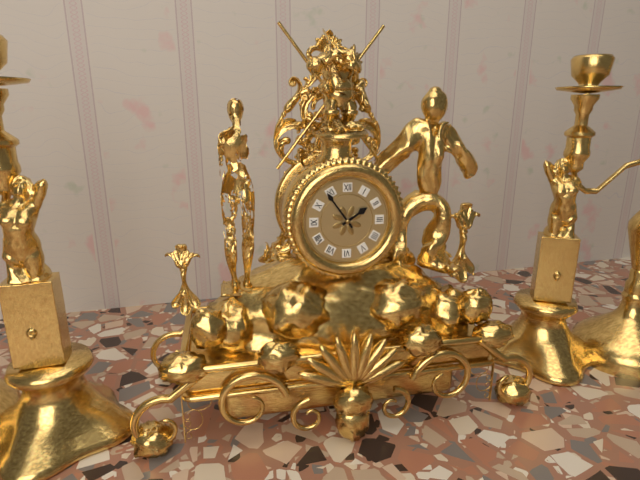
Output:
1.54
